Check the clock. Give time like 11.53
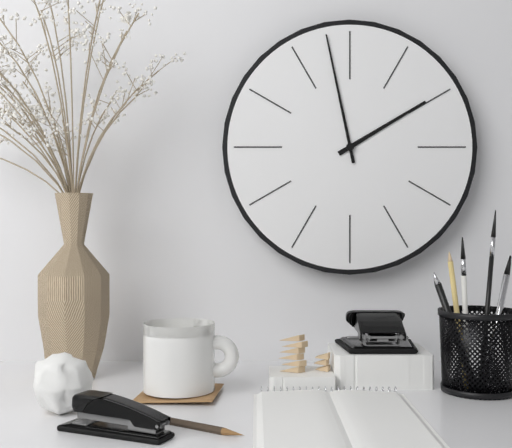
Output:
1.58
